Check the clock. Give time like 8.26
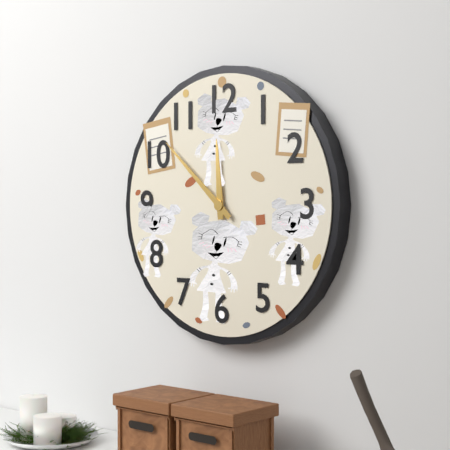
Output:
11.52
